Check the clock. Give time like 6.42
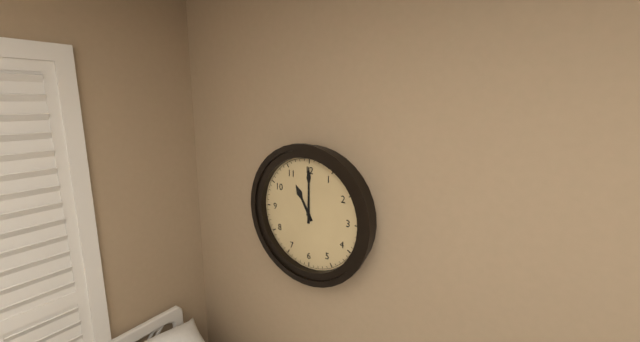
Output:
11.00
